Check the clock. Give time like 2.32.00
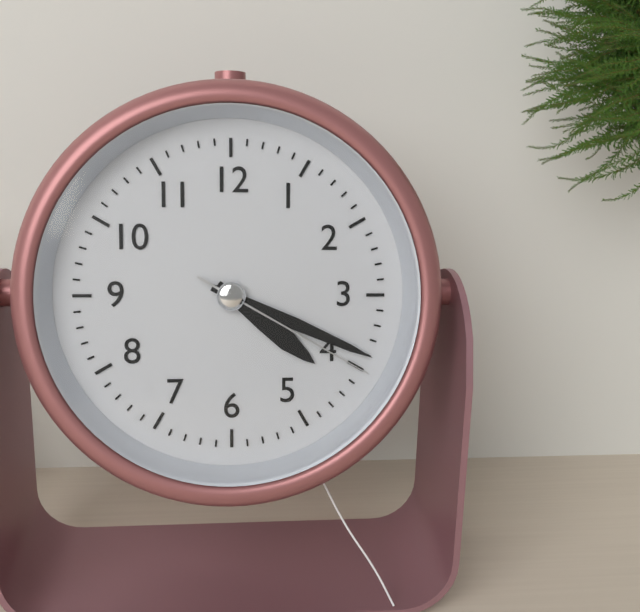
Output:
4.19.20
